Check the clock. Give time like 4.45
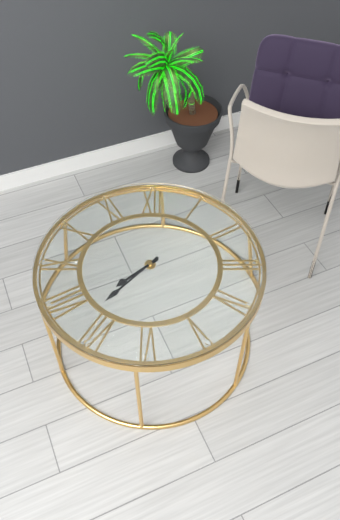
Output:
7.37
